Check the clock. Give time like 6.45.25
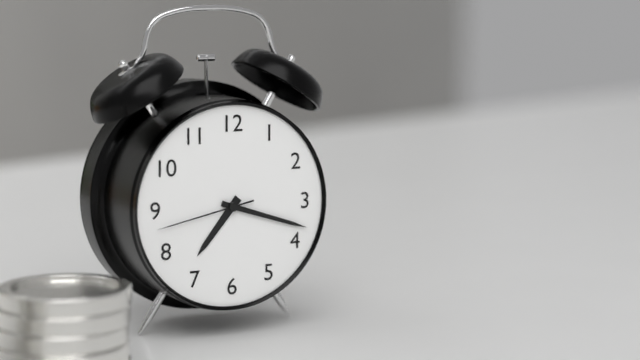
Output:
7.18.43
